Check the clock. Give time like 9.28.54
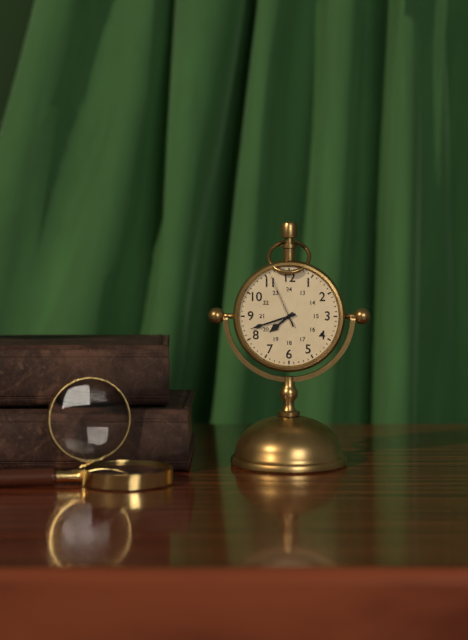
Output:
7.42.56
